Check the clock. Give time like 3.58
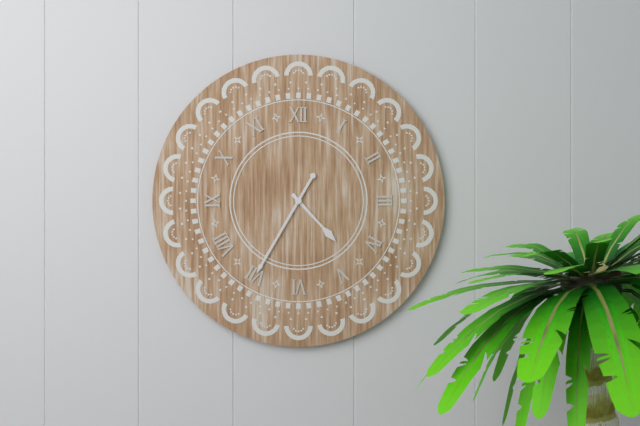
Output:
4.35
